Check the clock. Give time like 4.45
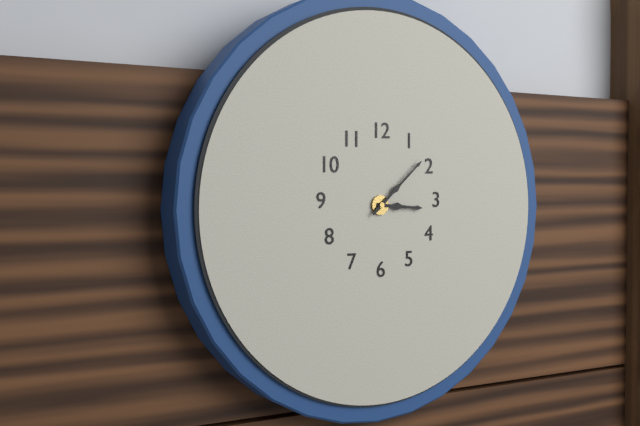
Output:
3.08
